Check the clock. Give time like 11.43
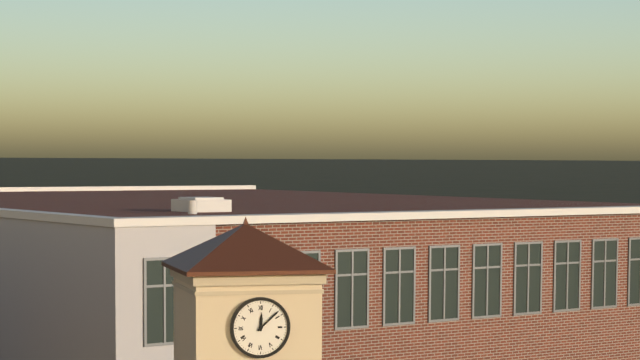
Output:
12.08
